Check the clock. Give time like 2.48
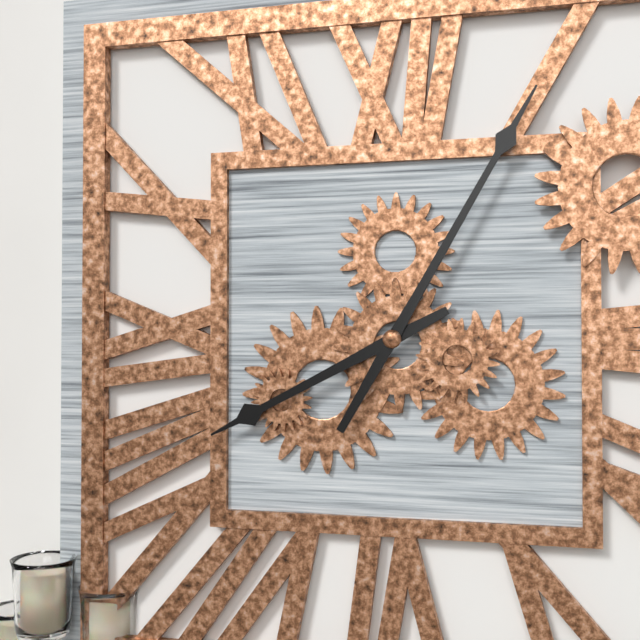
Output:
8.05
